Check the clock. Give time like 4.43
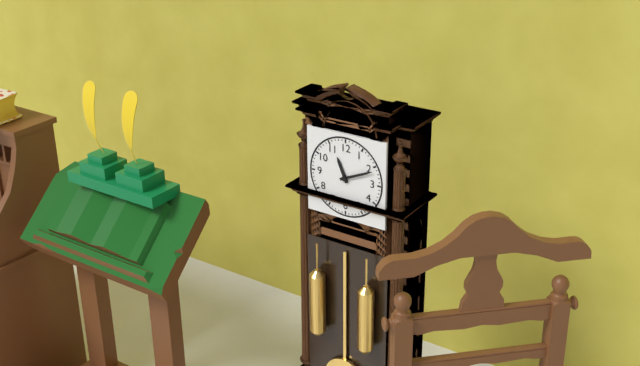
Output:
11.11
